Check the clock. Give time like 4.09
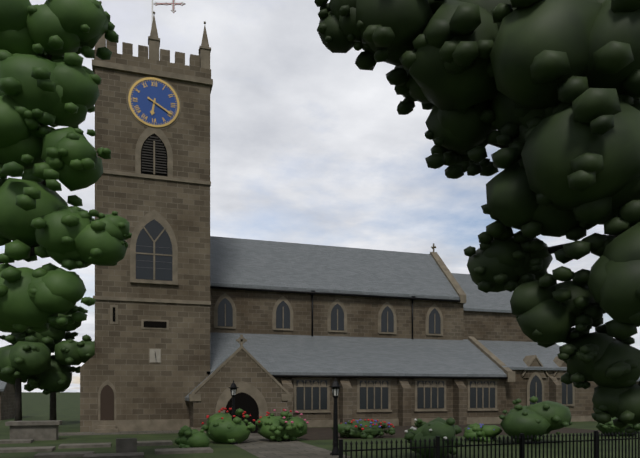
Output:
6.20
